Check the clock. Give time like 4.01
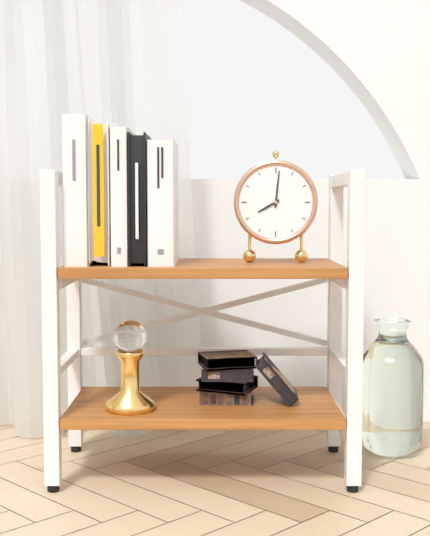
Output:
8.01
